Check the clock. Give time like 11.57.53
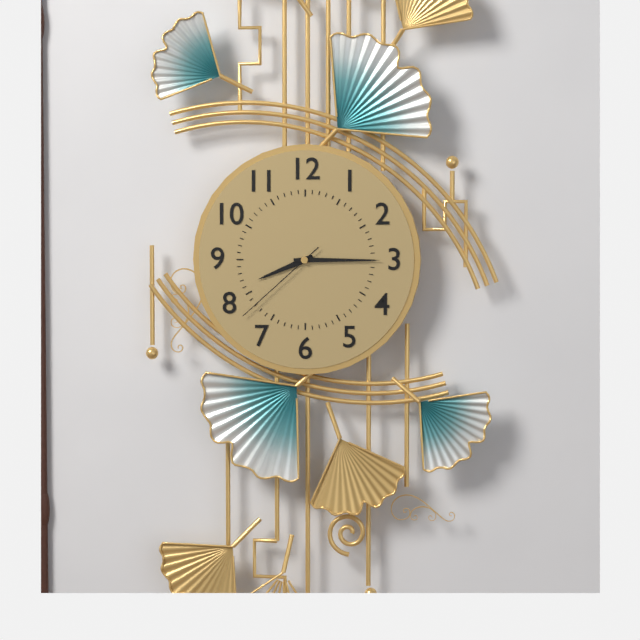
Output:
8.15.38
